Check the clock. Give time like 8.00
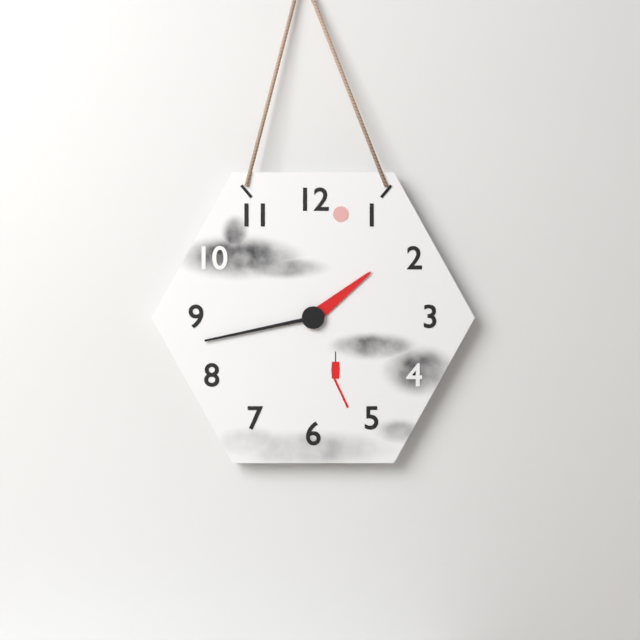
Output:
1.43
